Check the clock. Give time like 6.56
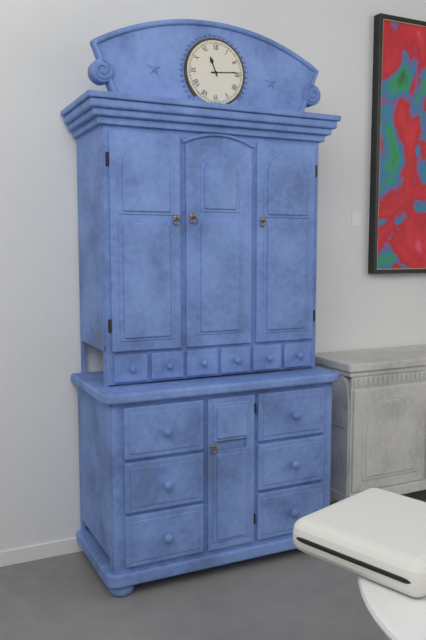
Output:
11.14
